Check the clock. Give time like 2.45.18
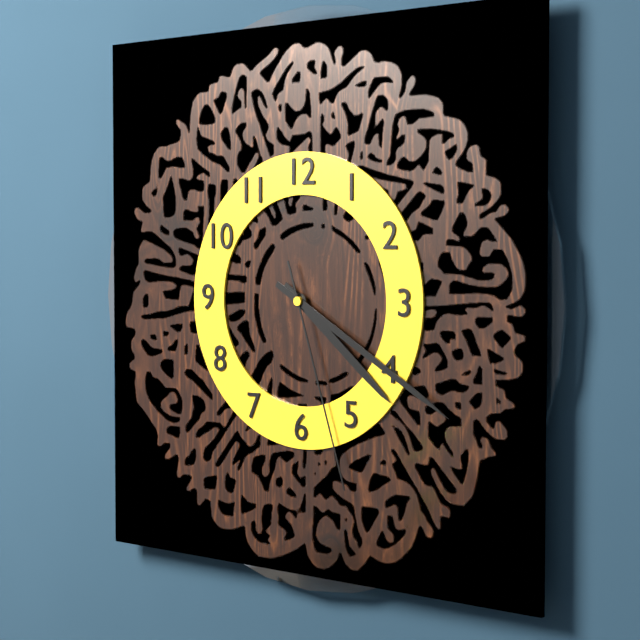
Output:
4.20.27
